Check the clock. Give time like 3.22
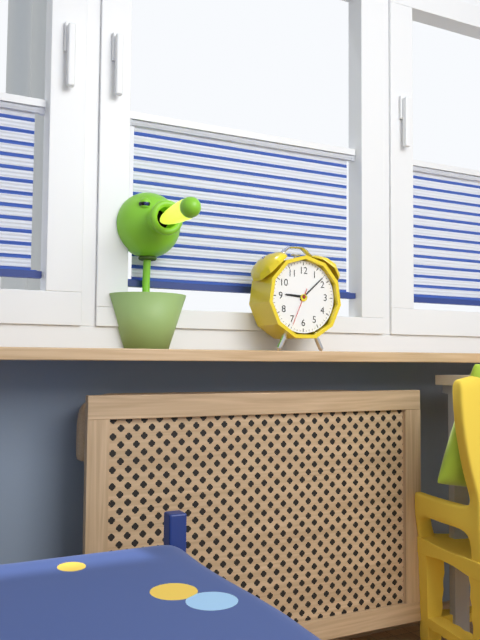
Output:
9.08
